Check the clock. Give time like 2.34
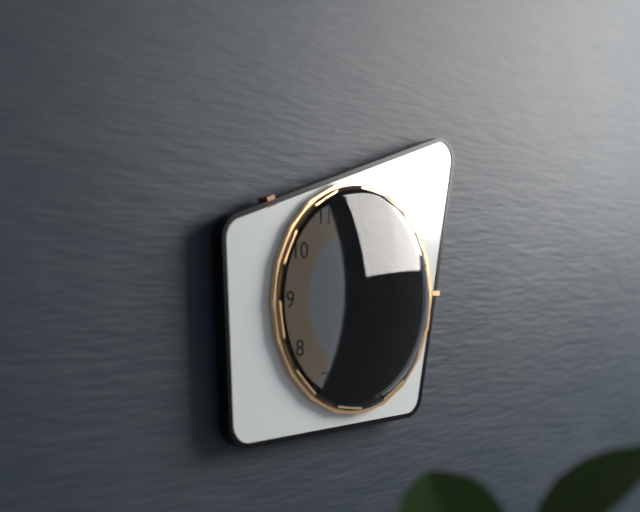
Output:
2.25
